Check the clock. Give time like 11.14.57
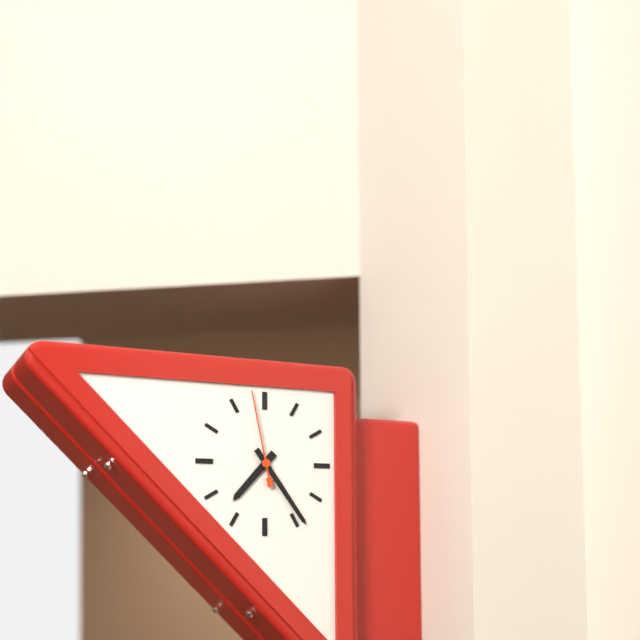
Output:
7.24.58
